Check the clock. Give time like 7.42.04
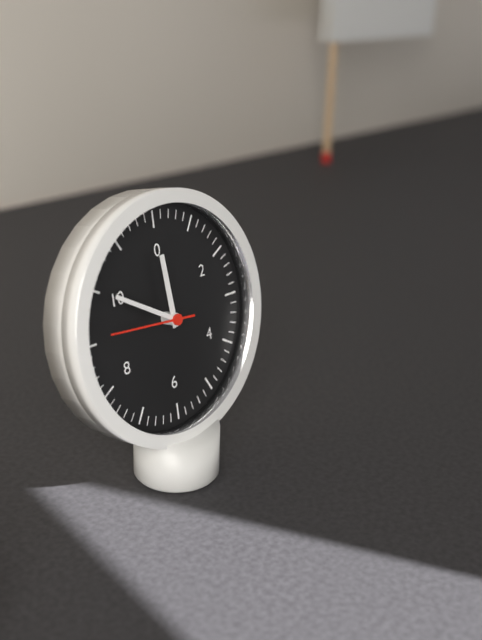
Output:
11.50.46
